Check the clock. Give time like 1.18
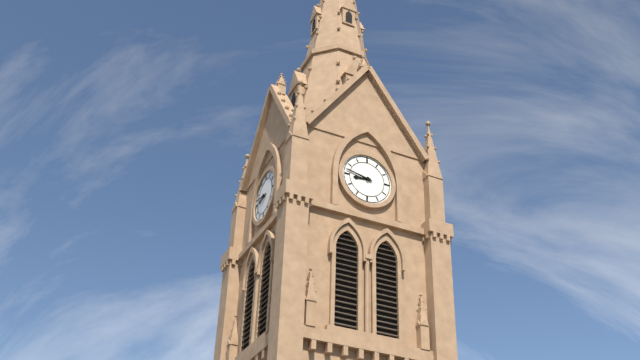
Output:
8.47
